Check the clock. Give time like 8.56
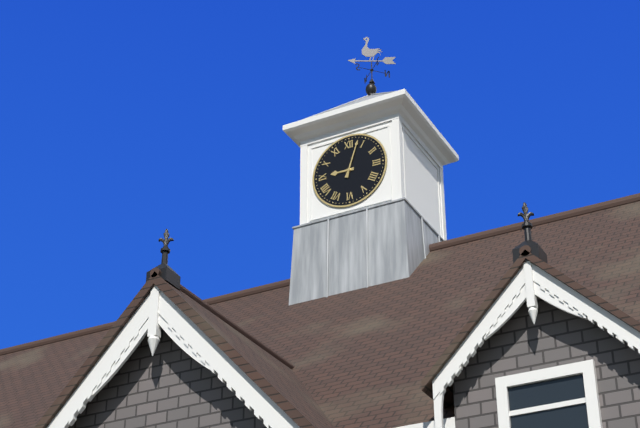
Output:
9.03
